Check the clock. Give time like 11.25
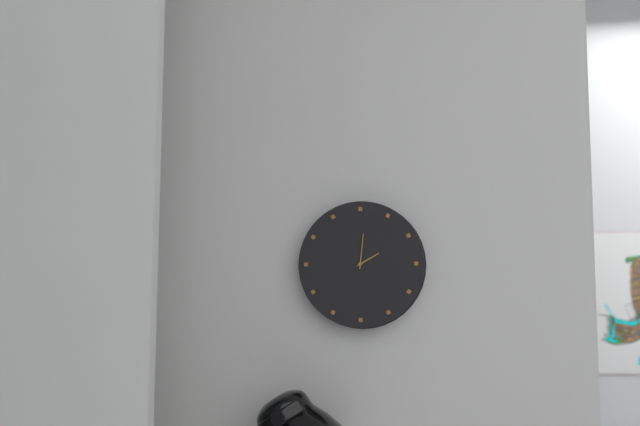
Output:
2.01
